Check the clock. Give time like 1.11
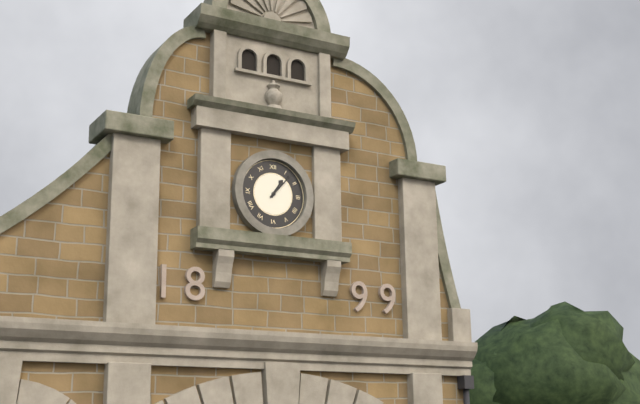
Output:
1.07
